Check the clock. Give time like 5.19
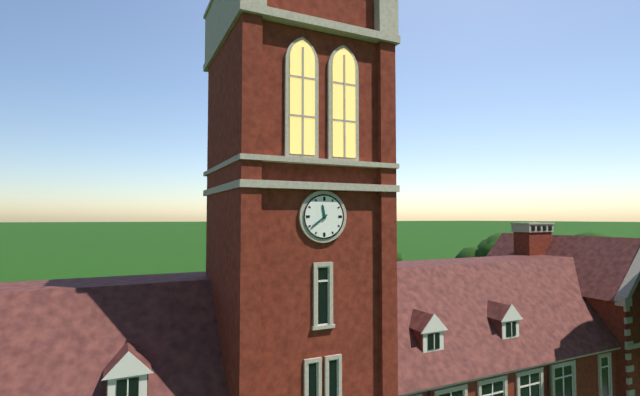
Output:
11.39
